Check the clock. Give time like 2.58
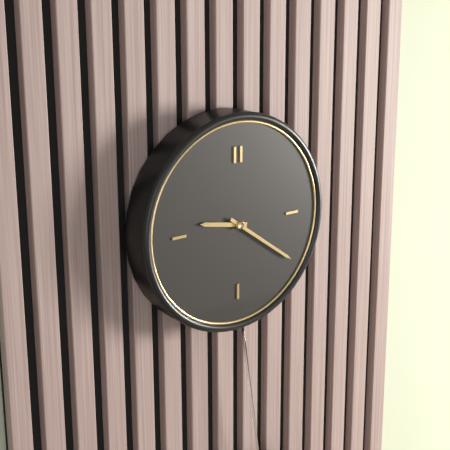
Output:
9.21
